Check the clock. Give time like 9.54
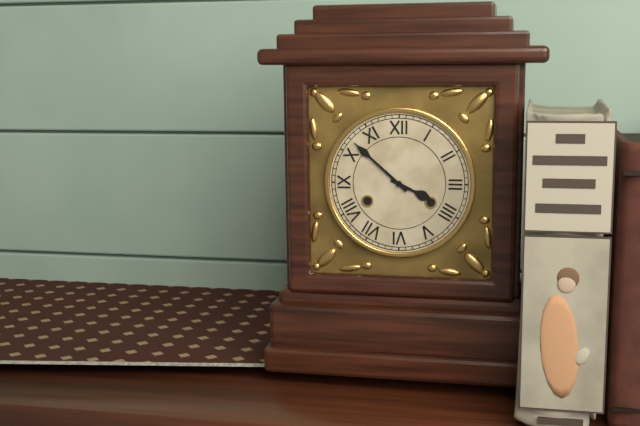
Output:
3.52
